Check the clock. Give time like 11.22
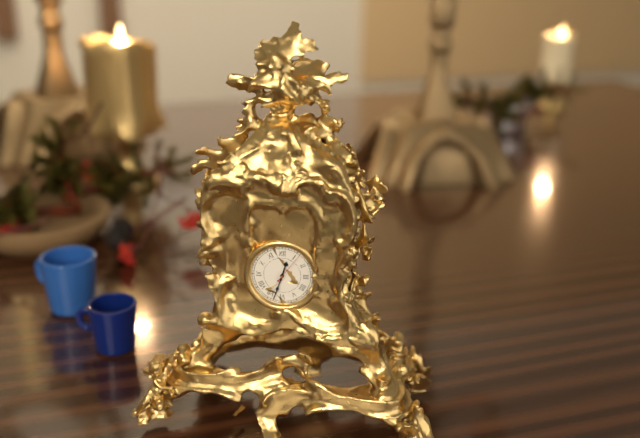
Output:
12.33
